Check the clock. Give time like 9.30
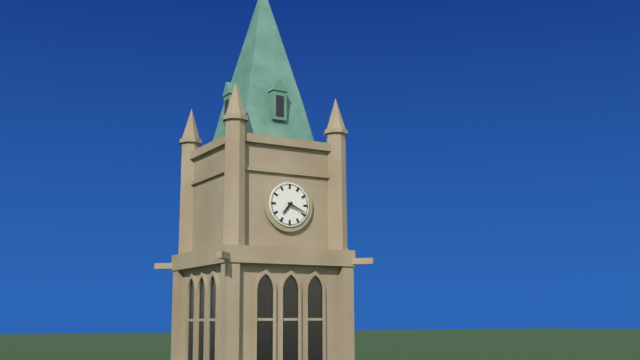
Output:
7.19
